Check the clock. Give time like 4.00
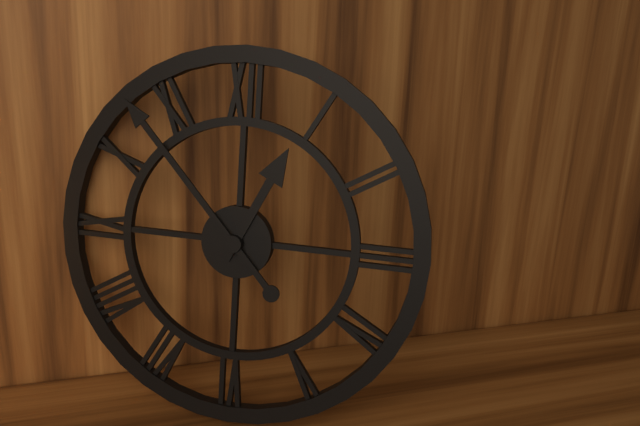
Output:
12.53
